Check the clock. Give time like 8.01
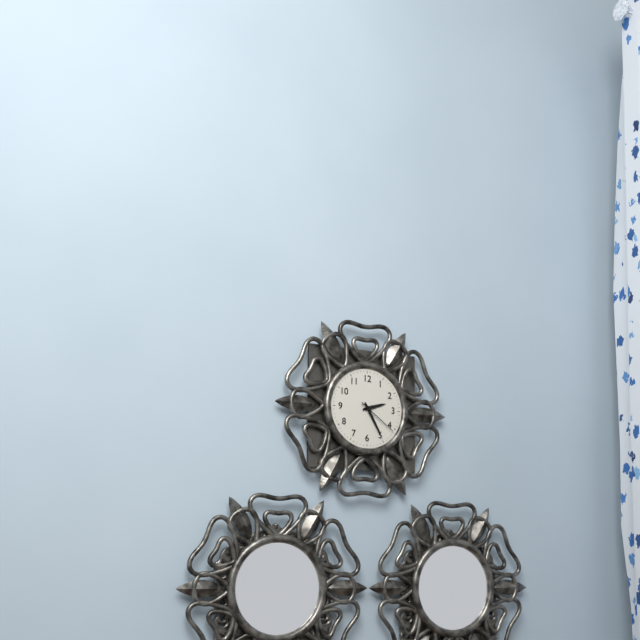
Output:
2.25
